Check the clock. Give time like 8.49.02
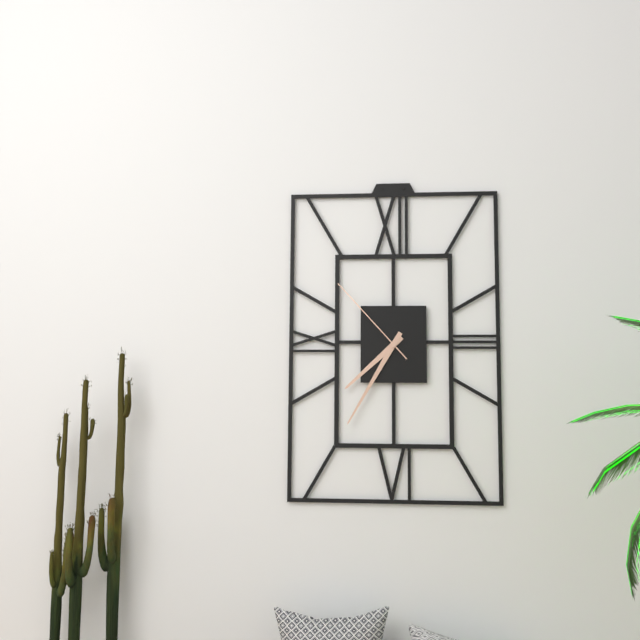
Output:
7.35.53
